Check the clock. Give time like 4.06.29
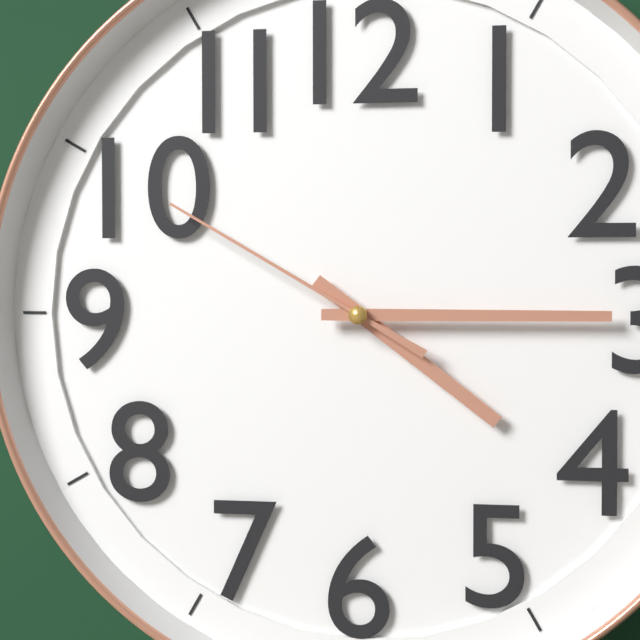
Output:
4.15.50
